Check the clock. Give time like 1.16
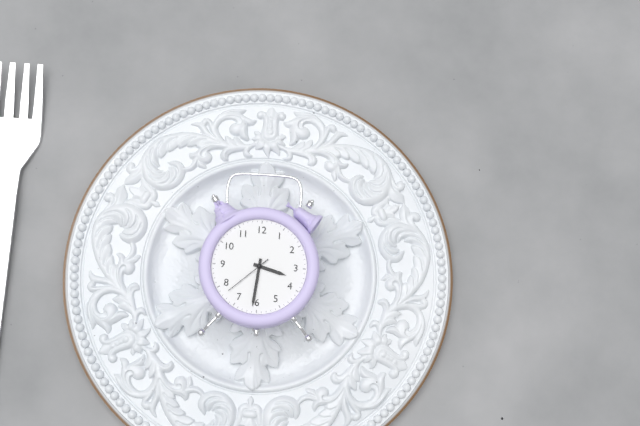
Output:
3.31
